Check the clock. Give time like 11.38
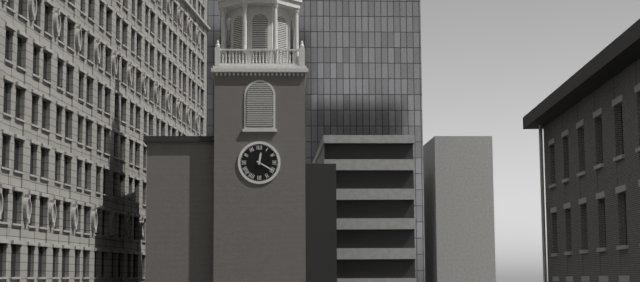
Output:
12.20
